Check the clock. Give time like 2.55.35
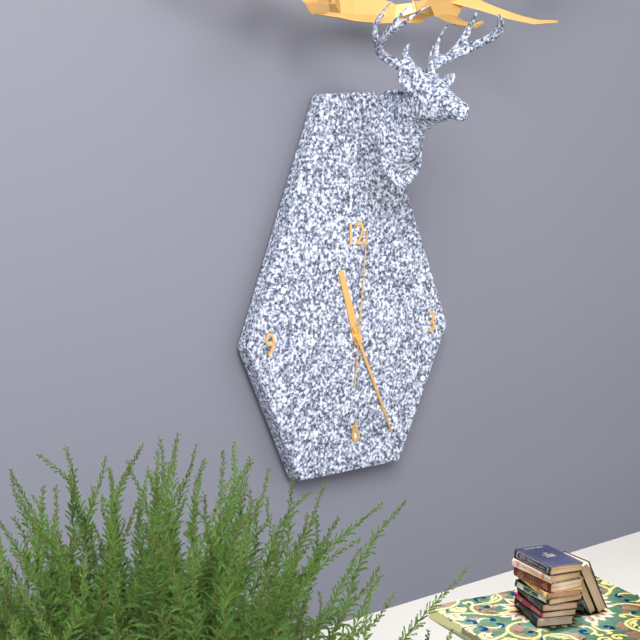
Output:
11.26.01
